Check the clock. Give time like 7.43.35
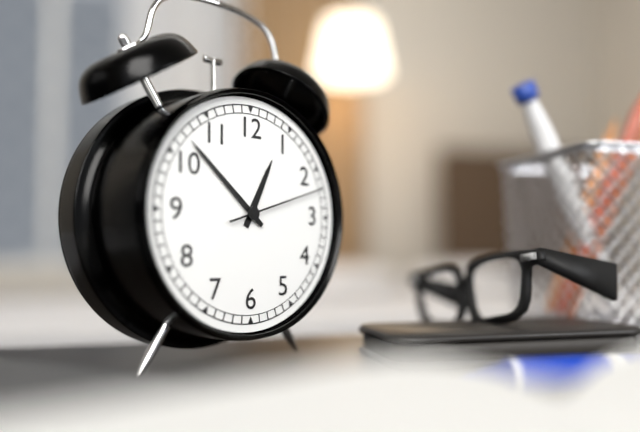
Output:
12.52.12
